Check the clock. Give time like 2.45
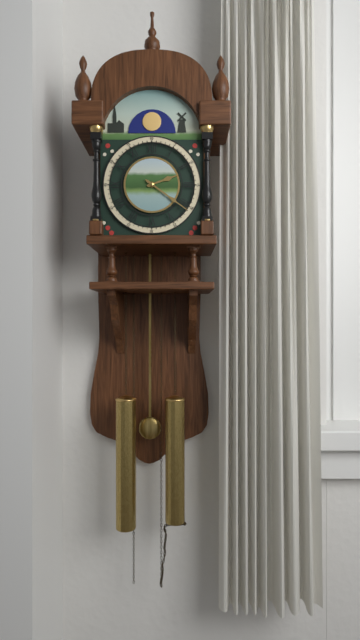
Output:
2.21
